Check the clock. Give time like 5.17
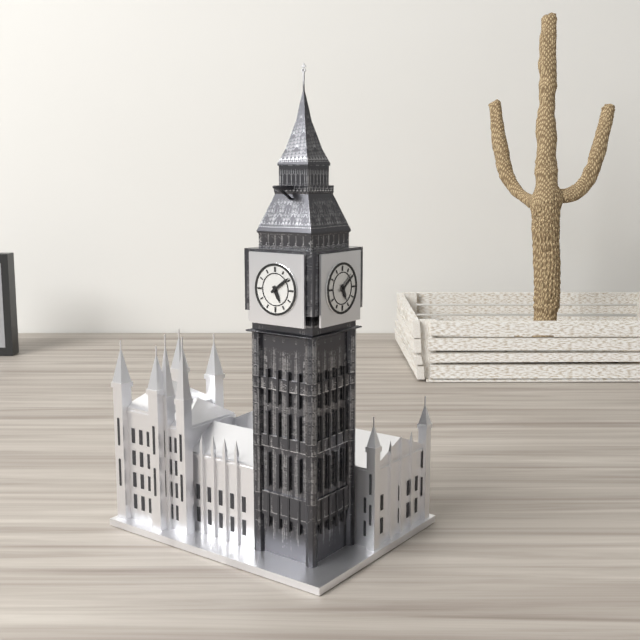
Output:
5.09
